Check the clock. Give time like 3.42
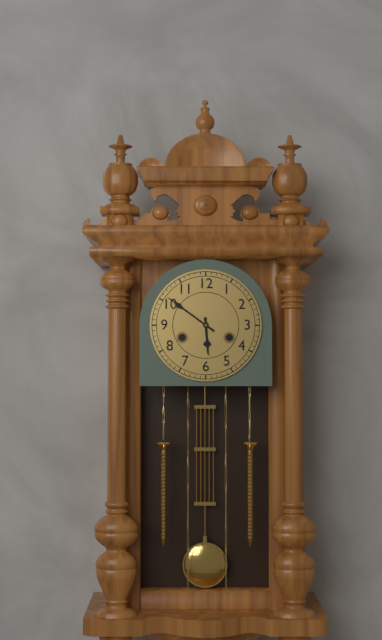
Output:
5.51
